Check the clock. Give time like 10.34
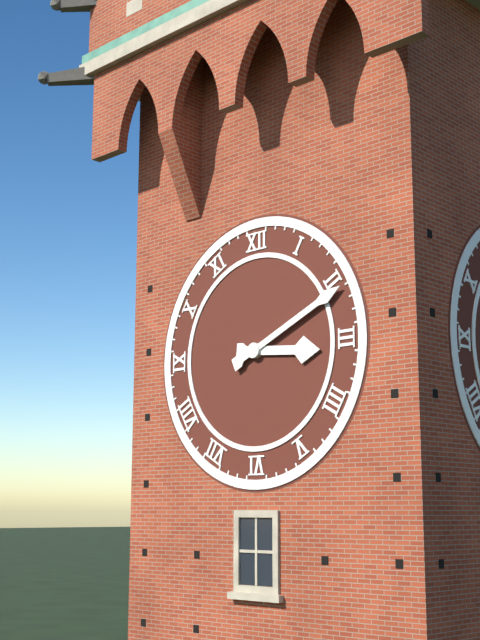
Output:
3.11
